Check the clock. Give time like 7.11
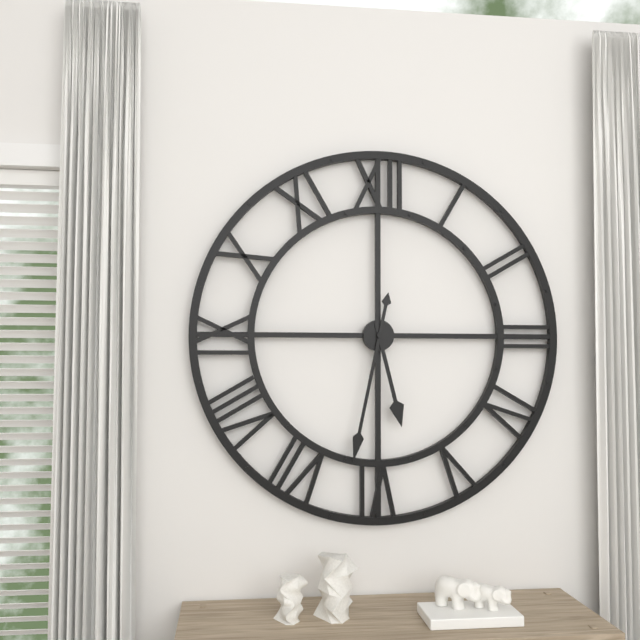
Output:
5.32
